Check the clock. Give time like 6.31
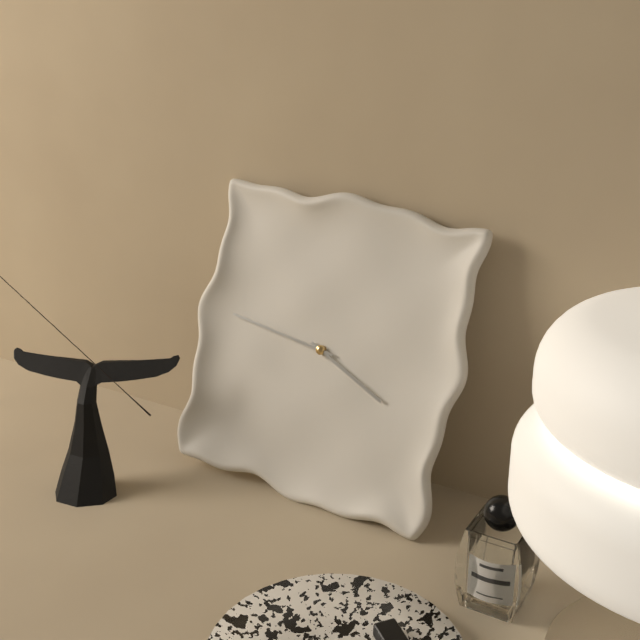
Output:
3.46
